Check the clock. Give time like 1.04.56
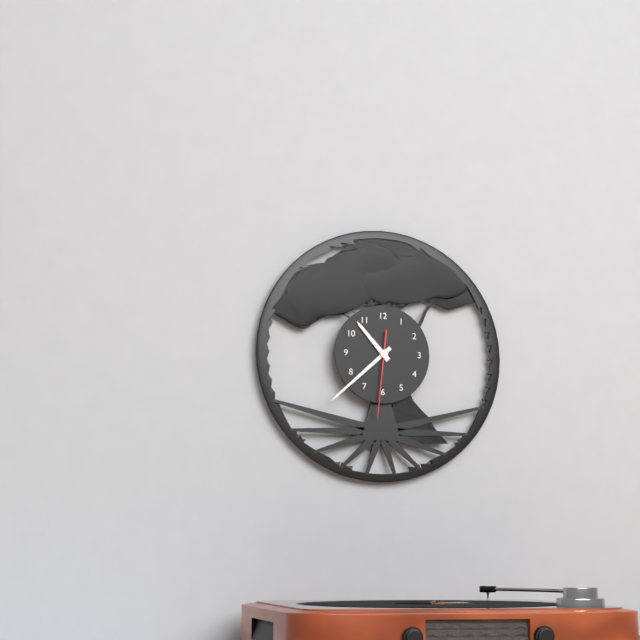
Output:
10.38.31
